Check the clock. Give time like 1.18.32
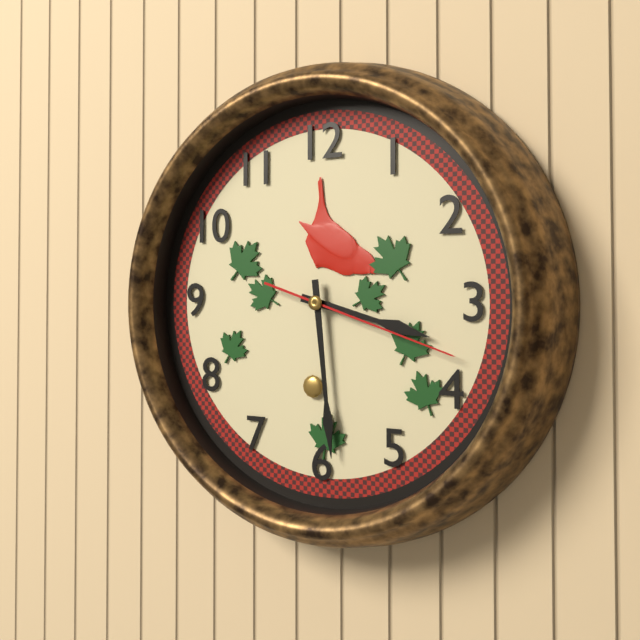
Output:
3.29.18
